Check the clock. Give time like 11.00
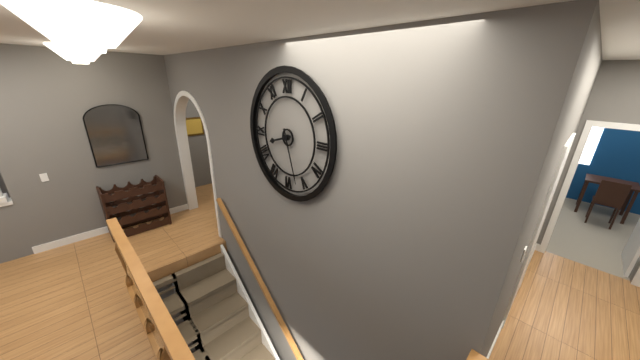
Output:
8.27
